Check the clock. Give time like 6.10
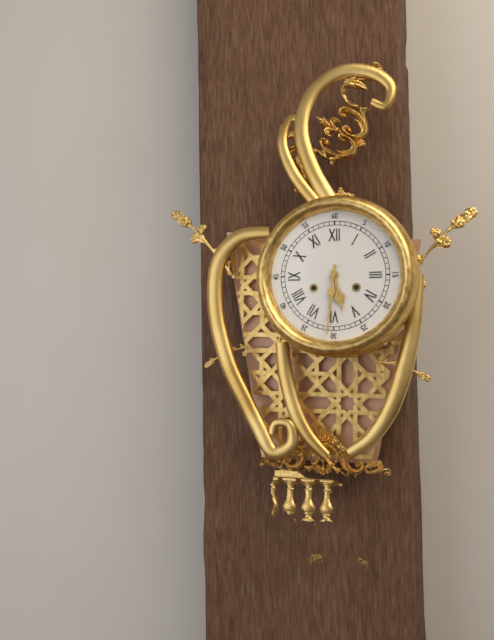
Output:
5.31
